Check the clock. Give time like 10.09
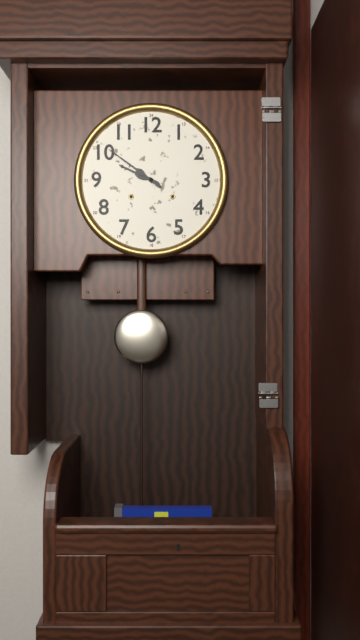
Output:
9.51
